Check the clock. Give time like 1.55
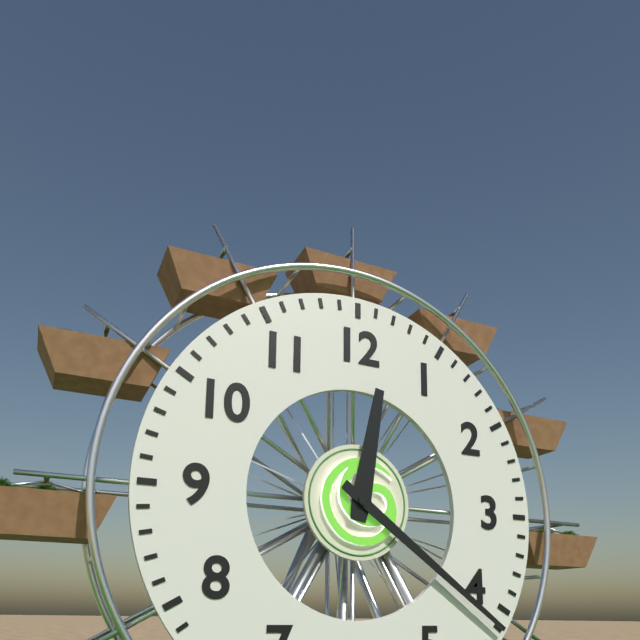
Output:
12.21
